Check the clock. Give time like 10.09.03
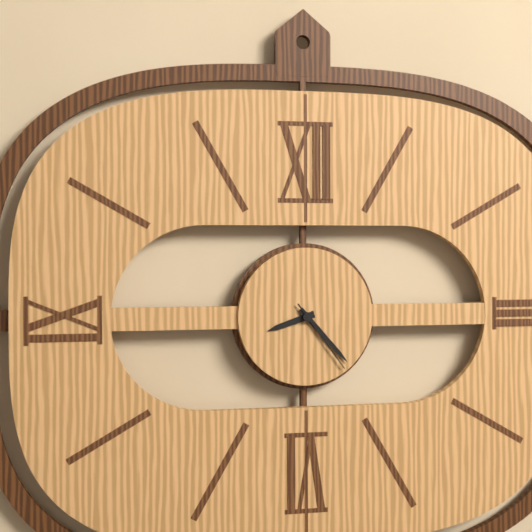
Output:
8.23.24
